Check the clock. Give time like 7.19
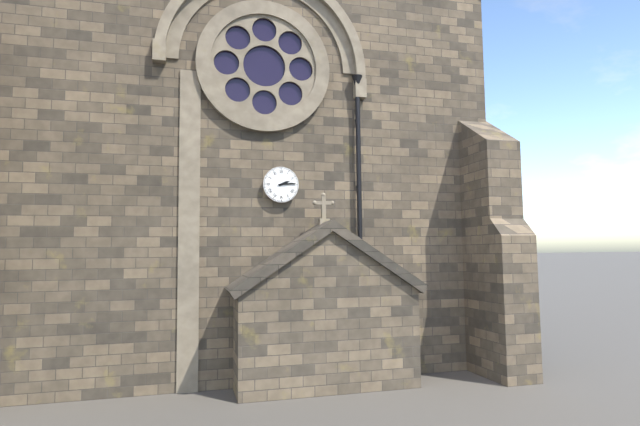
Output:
2.14
